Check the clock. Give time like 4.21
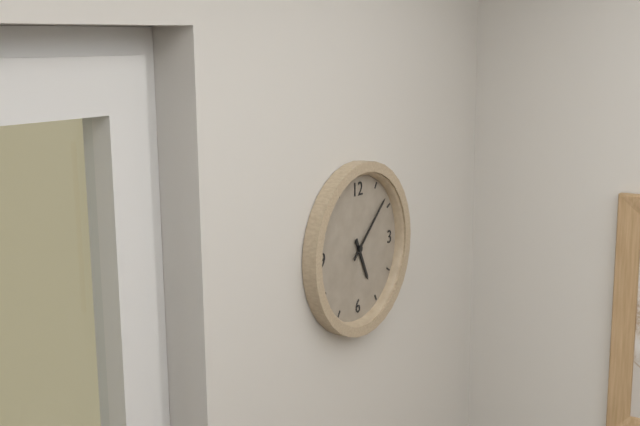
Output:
5.08
